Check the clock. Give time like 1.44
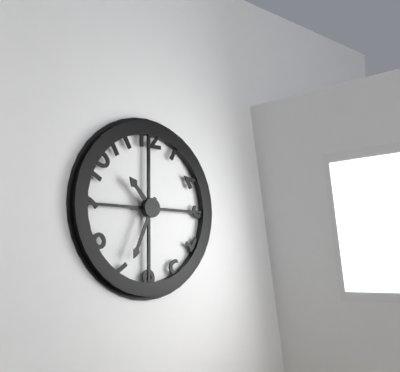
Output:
10.34
